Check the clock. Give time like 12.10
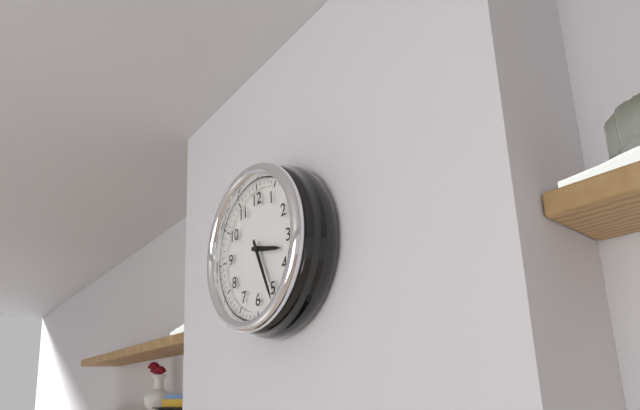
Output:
3.26
